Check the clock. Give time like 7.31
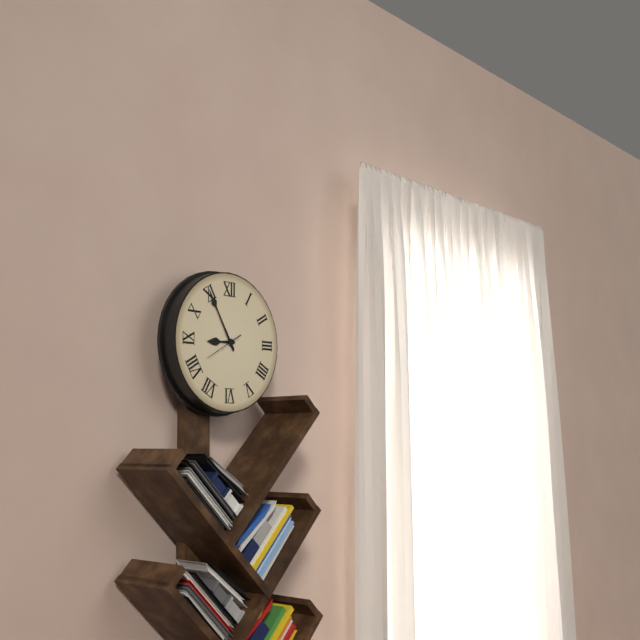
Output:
8.55
